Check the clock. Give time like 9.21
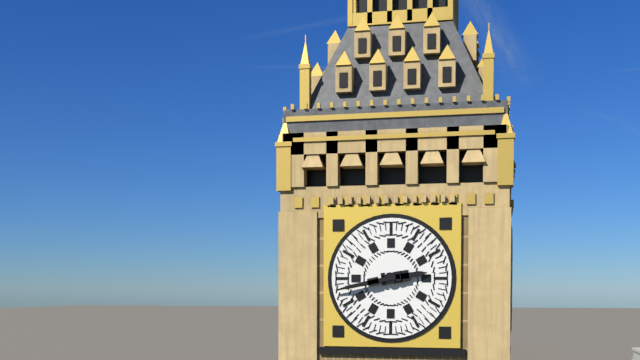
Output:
2.43
